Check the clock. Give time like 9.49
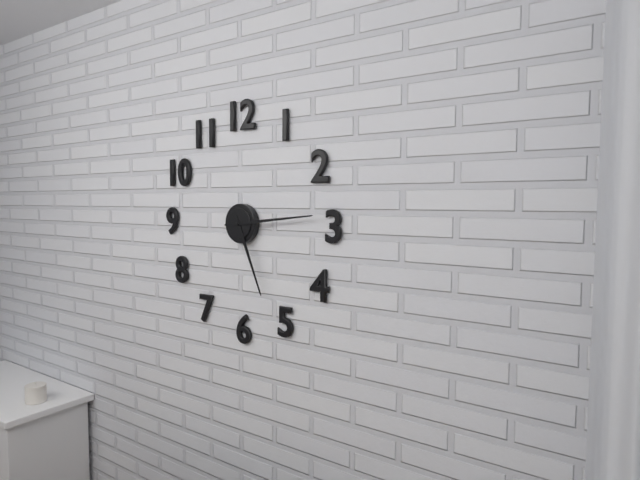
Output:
5.14
